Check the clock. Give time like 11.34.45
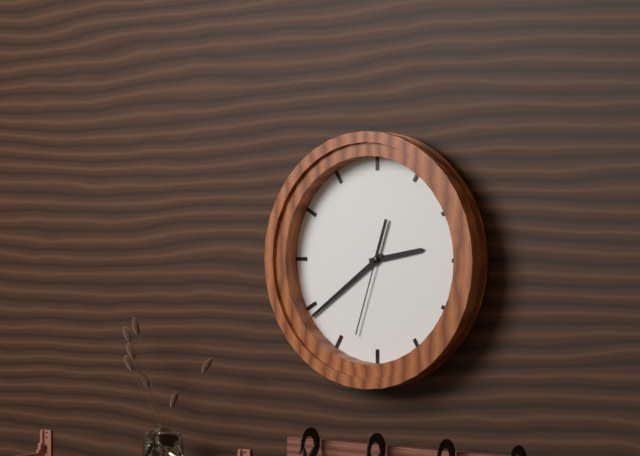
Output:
2.39.33
